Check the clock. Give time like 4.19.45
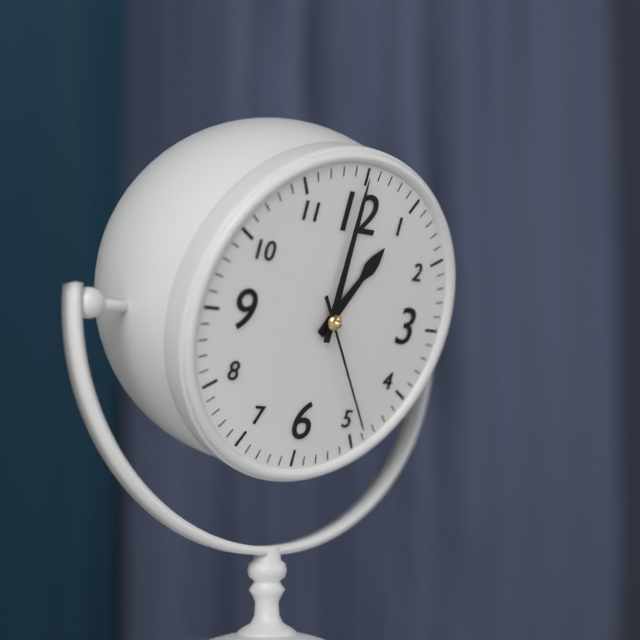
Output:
1.00.24
